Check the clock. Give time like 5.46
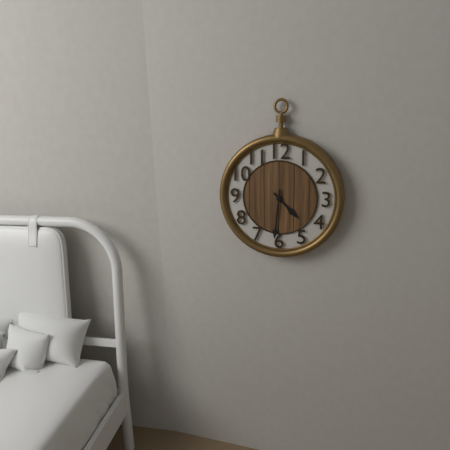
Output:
4.31
